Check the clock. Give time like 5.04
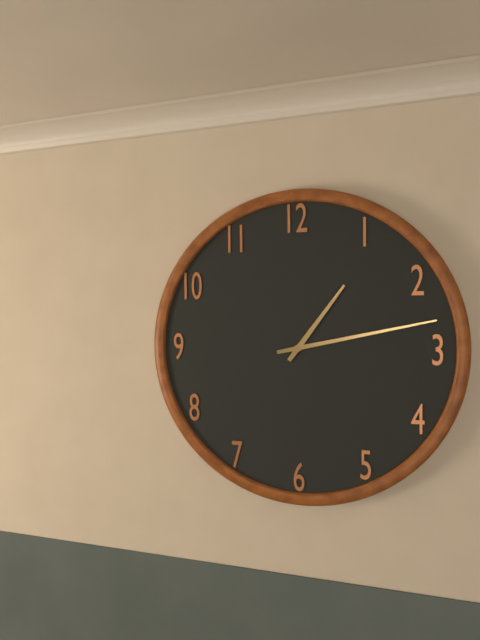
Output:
1.13
